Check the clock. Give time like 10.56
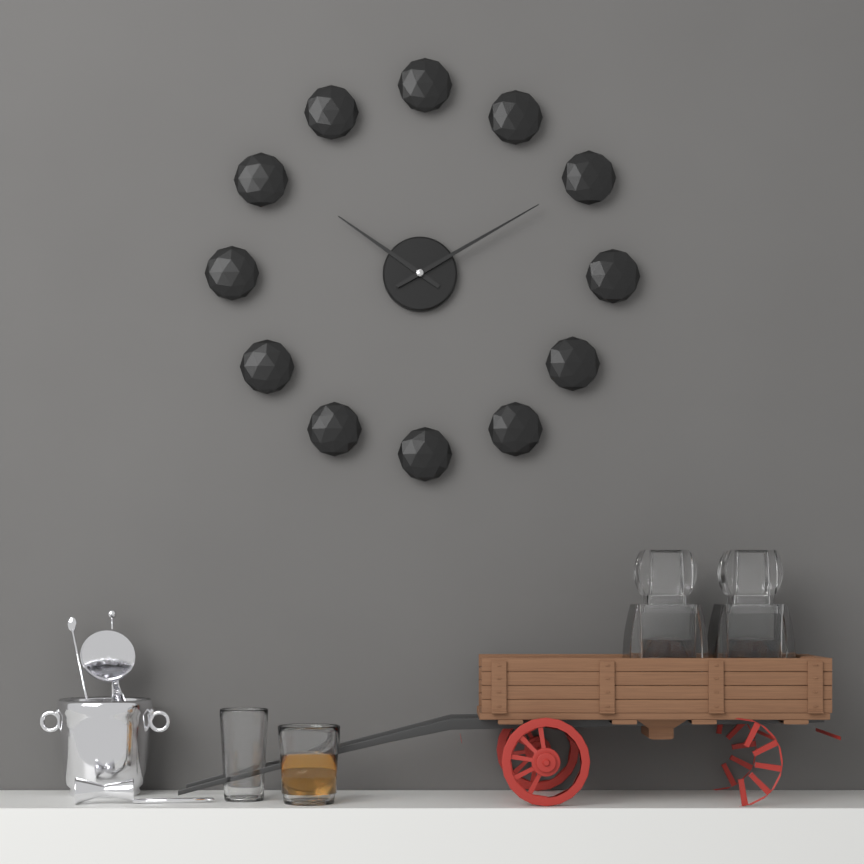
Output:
10.10
